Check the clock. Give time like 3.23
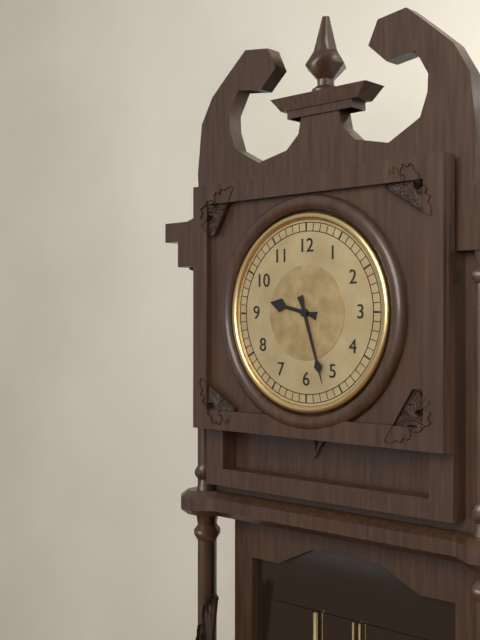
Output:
9.27
